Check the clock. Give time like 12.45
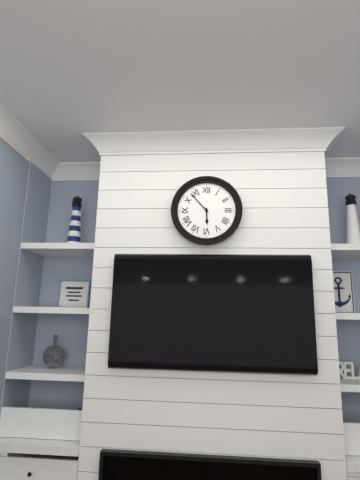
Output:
5.53
